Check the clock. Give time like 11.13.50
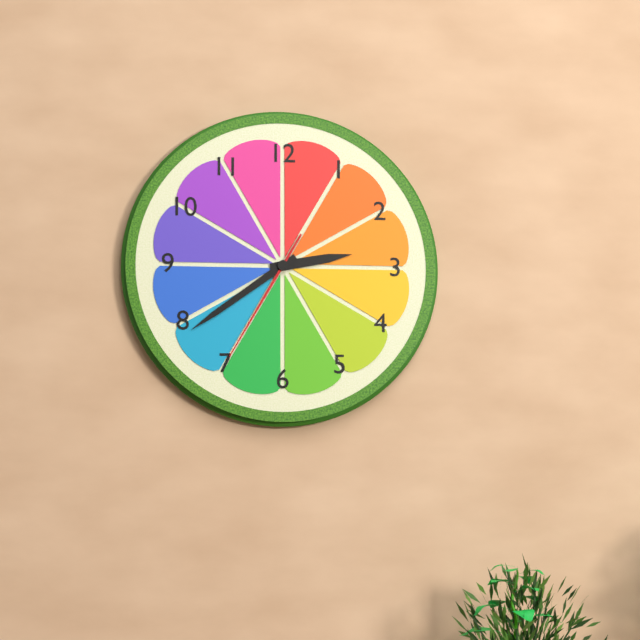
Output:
2.39.35
